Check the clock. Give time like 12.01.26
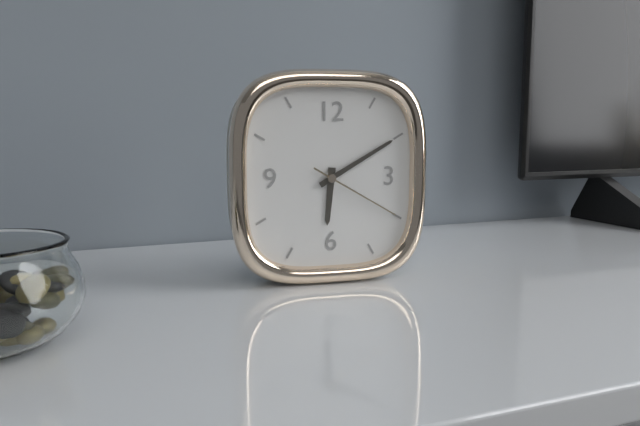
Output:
6.10.20
